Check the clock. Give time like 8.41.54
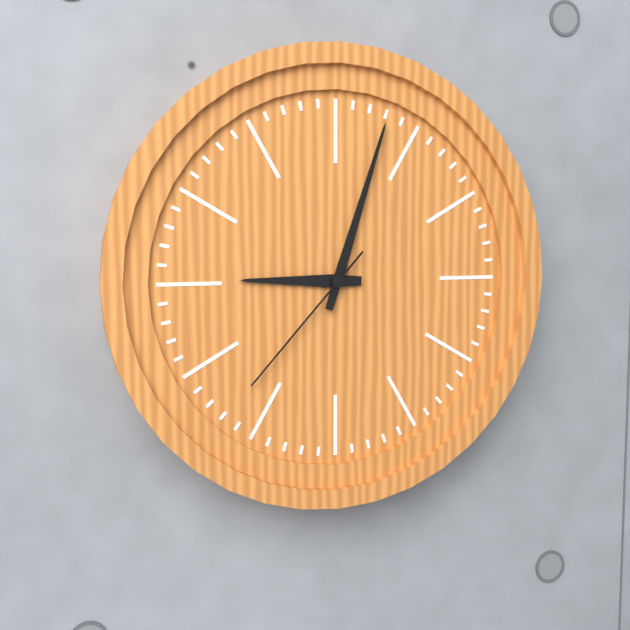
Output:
9.03.37
